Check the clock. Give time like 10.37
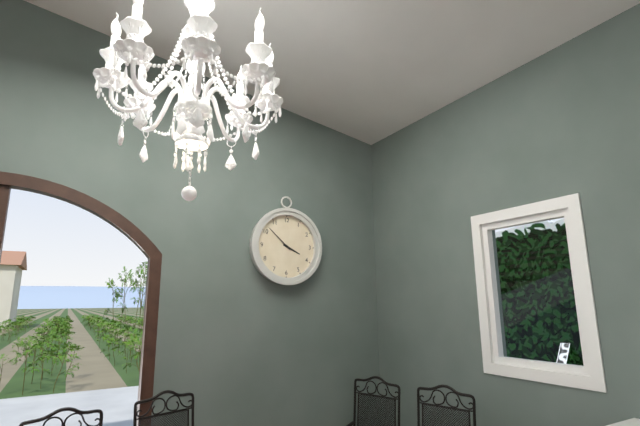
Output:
3.52
